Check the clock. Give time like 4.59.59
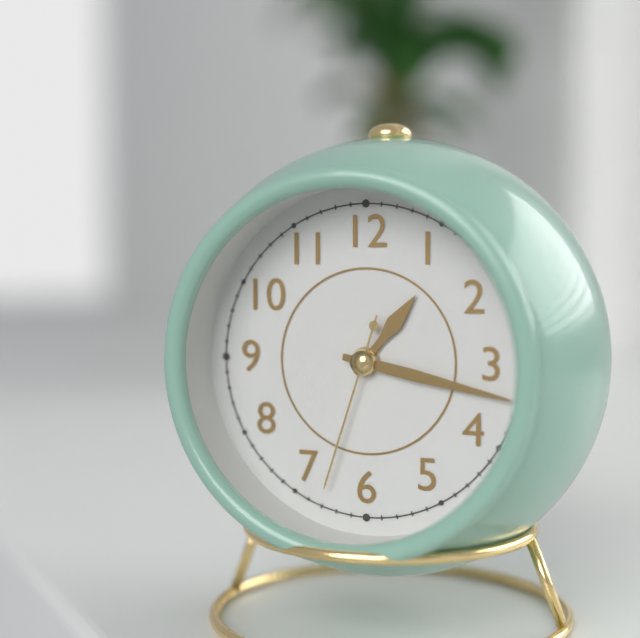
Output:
1.17.33
